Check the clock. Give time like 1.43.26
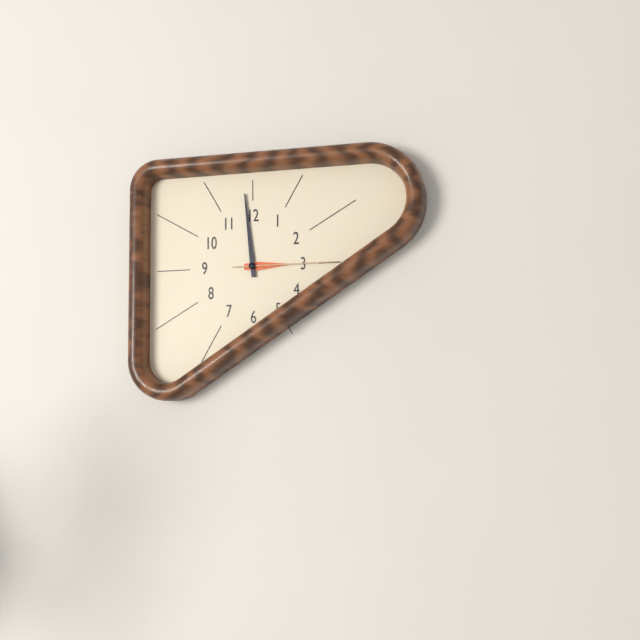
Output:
2.59.15
